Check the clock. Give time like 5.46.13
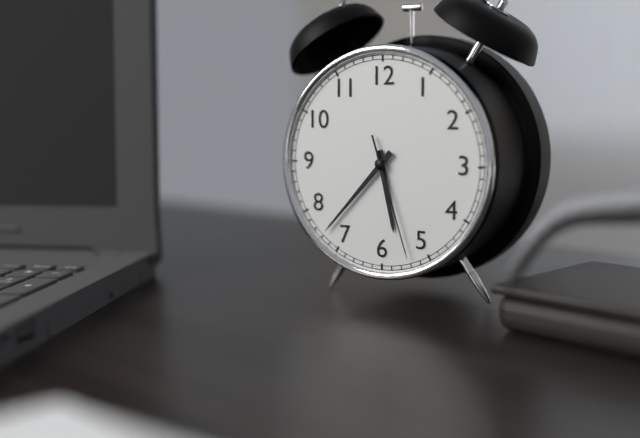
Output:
5.37.27
